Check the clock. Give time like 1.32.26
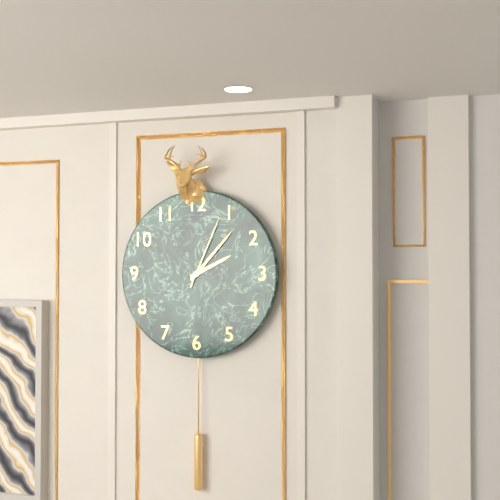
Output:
2.07.04
